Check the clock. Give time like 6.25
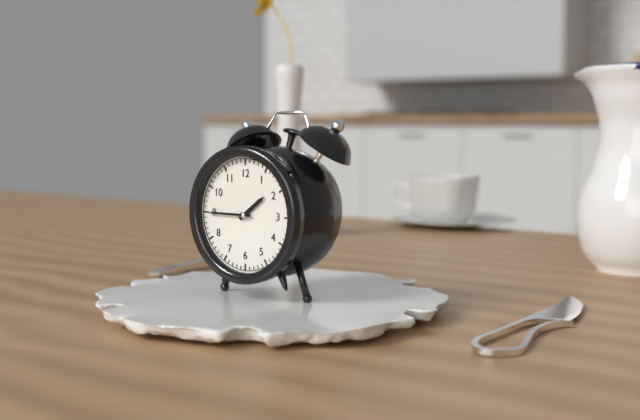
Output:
1.45
